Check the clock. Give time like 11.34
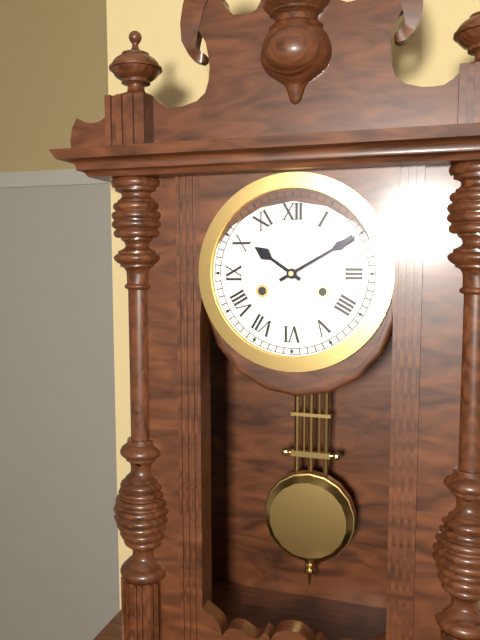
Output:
10.10
